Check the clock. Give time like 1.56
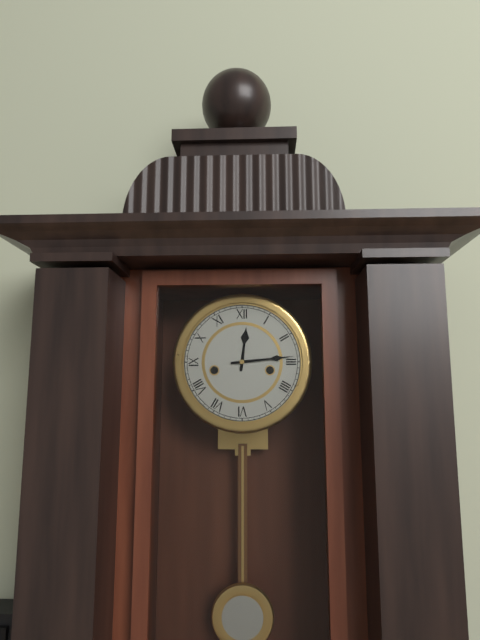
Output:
12.14
